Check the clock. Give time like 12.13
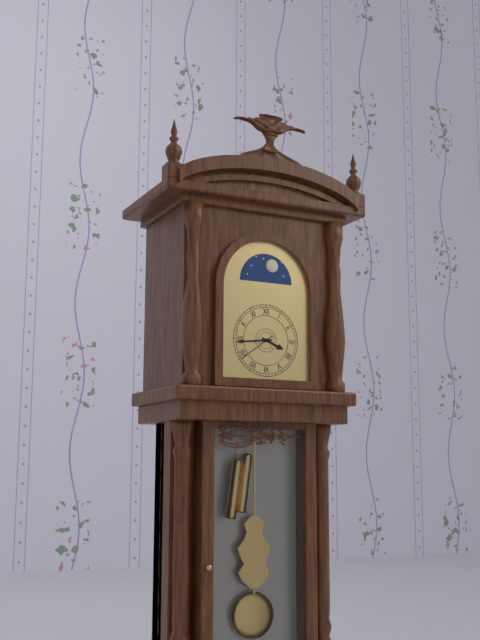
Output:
3.44
